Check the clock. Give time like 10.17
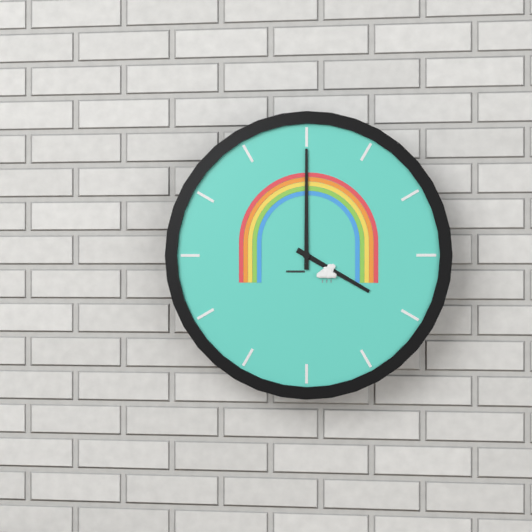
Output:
4.00
